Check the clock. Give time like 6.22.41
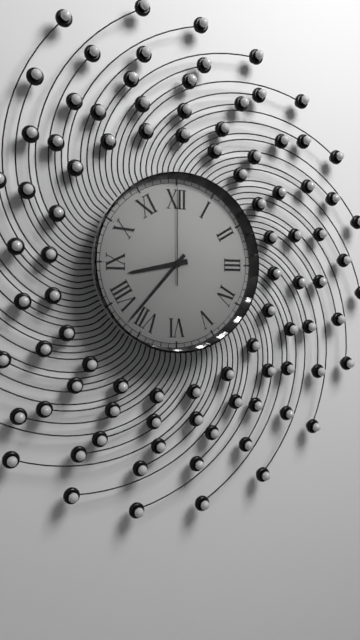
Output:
8.37.00
